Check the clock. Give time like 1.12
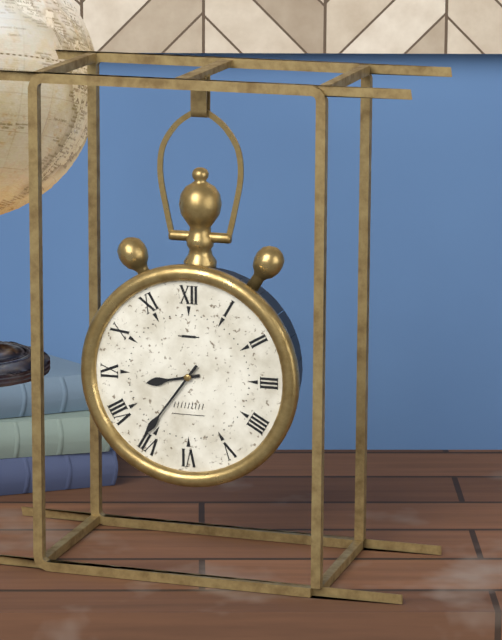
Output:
8.36
